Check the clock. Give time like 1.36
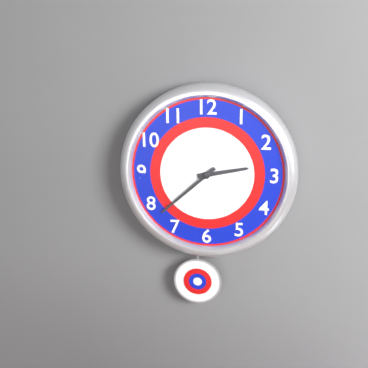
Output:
2.38
